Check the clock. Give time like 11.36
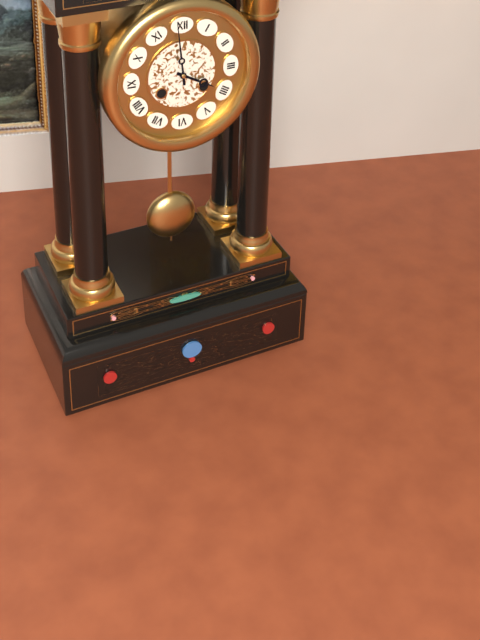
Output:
3.59
